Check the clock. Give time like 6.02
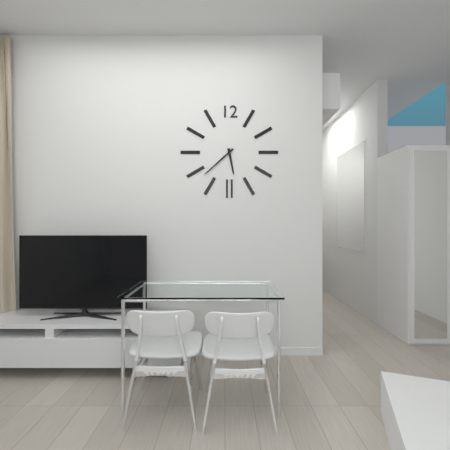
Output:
5.38
